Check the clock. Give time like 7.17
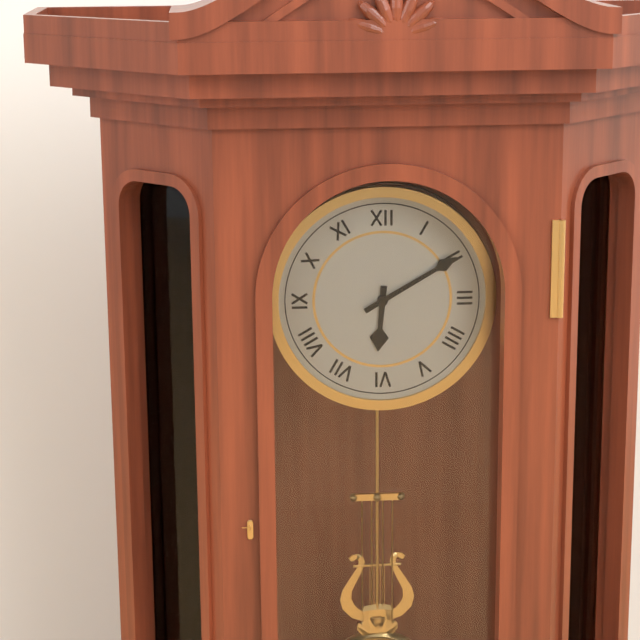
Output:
6.10
